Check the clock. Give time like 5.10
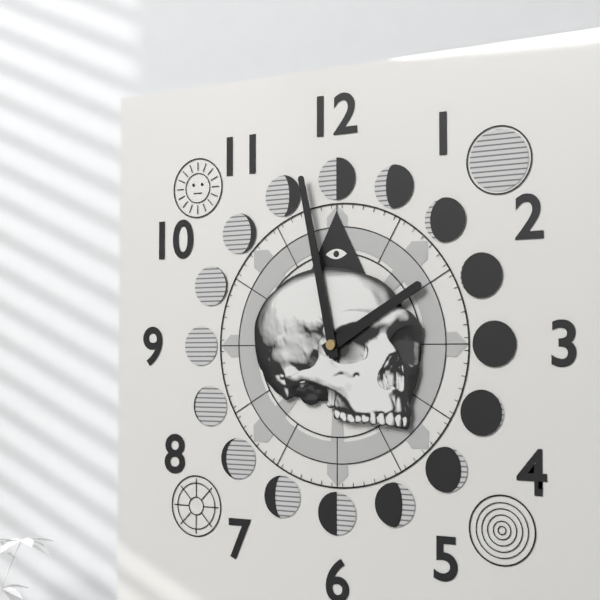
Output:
1.58
